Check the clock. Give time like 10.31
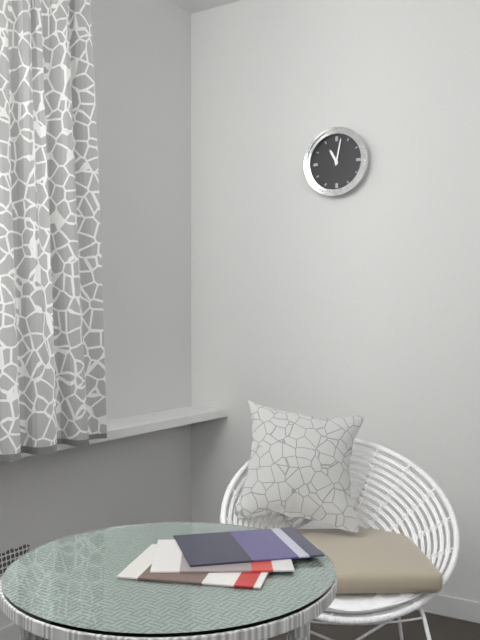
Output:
11.02
